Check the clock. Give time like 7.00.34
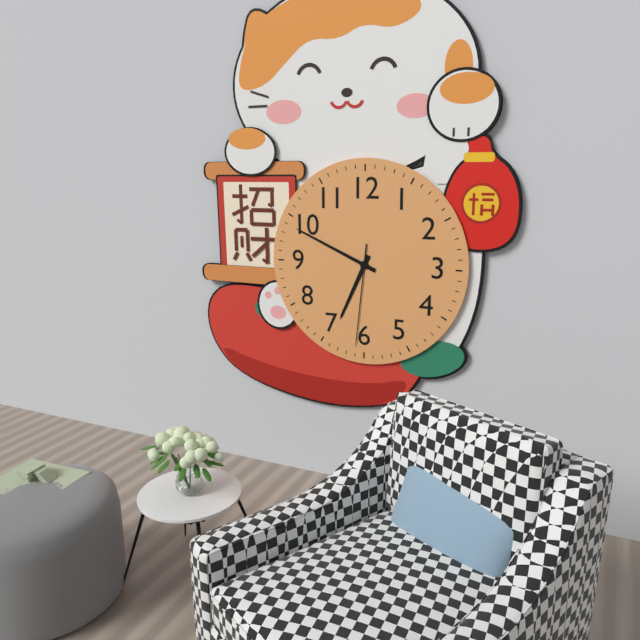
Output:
6.49.31
